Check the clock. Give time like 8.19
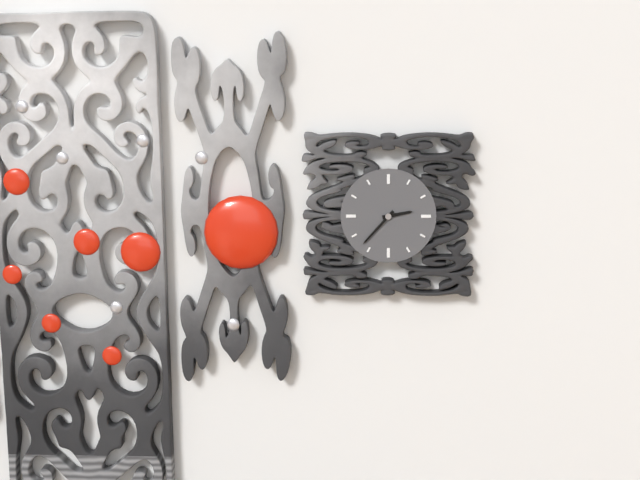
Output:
2.37
